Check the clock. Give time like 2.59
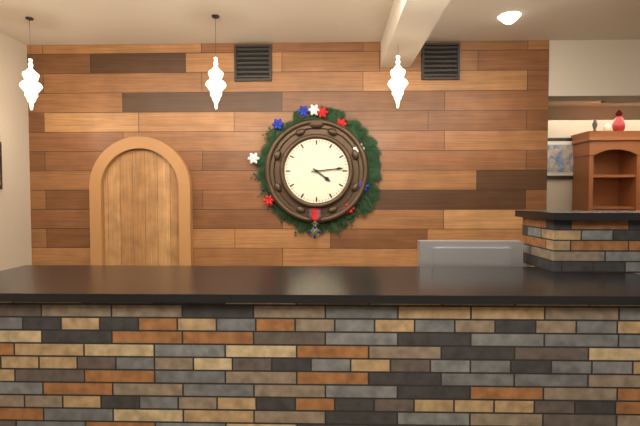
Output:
4.14
